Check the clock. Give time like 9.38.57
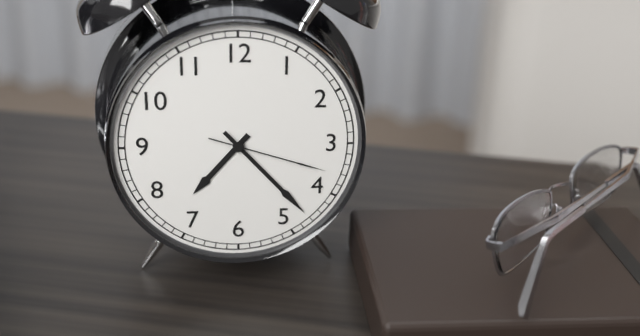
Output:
7.23.18
